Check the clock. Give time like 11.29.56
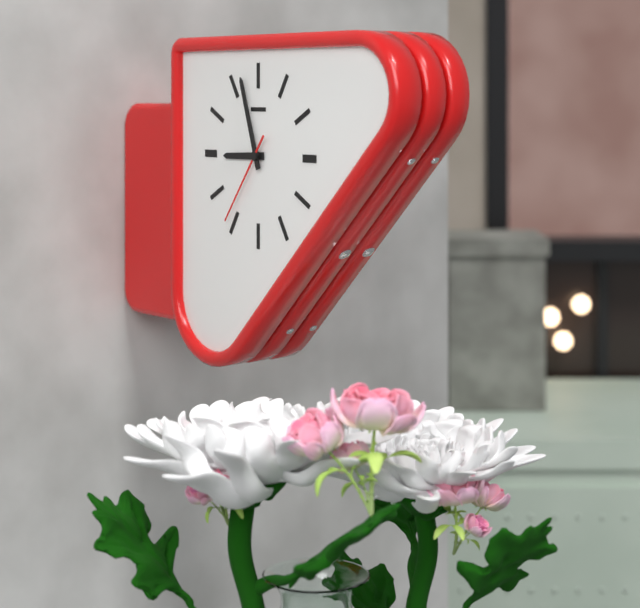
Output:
8.57.36
